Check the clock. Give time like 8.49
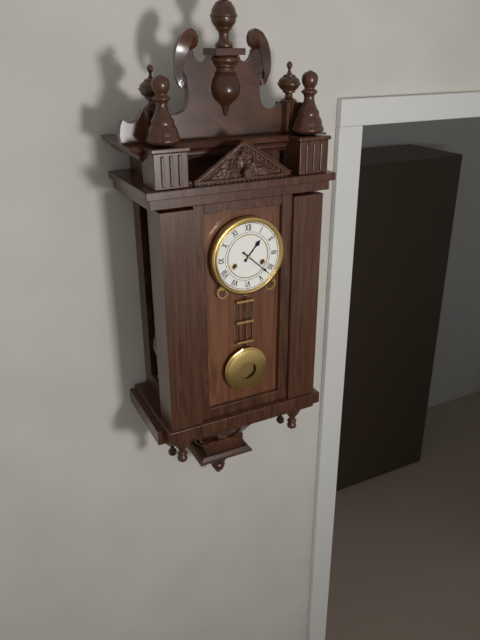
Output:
1.22
